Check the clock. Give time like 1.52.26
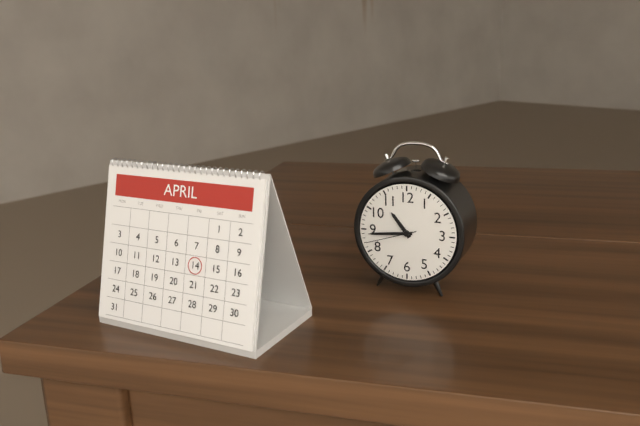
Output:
10.44.42
